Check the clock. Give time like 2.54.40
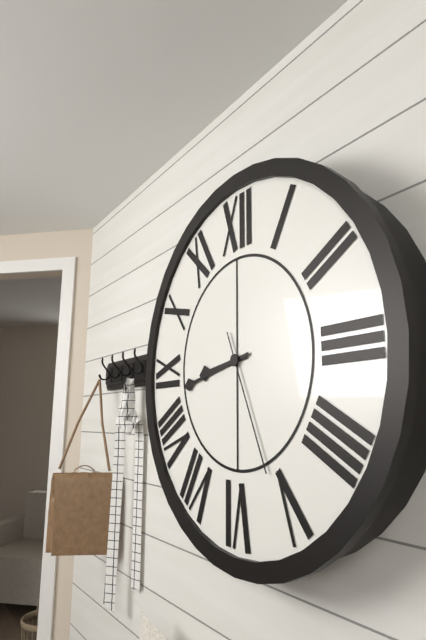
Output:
8.43.26
